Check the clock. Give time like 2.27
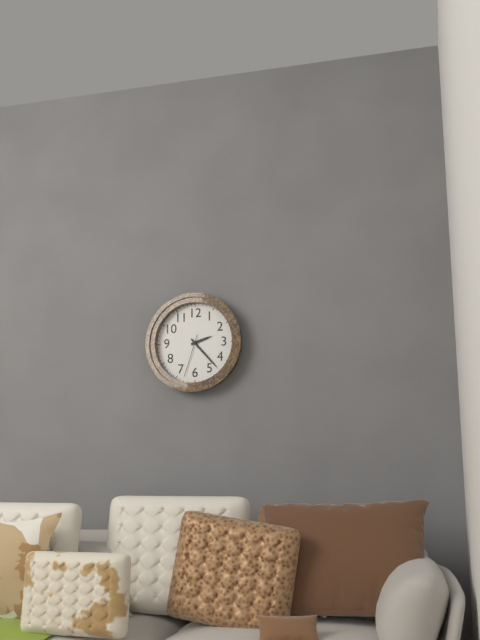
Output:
2.23
